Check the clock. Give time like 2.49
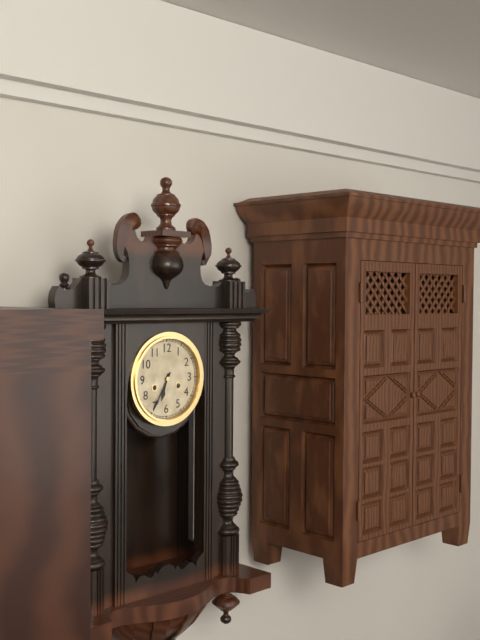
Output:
6.35
